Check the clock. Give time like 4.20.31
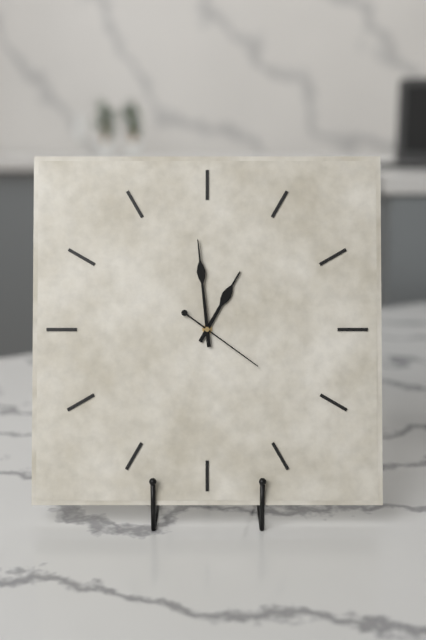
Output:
12.59.21
